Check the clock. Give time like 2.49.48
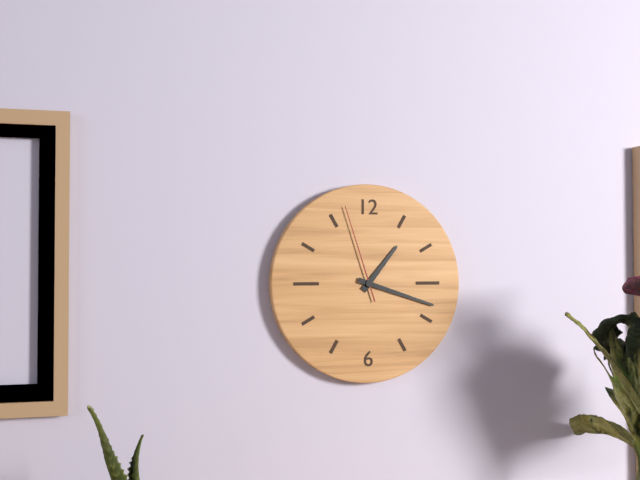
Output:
1.18.57
